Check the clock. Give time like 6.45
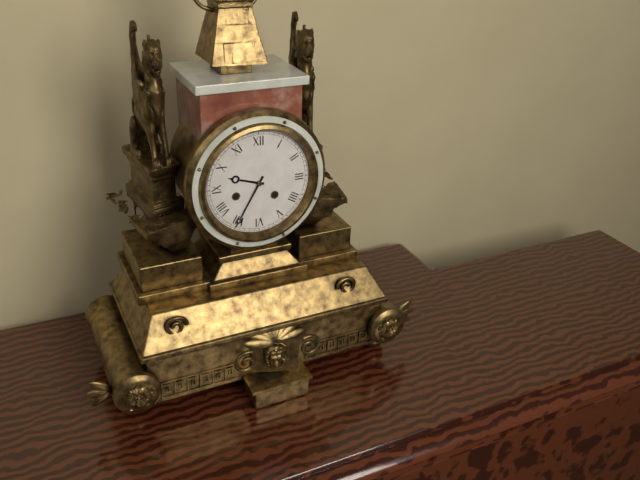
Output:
9.35
